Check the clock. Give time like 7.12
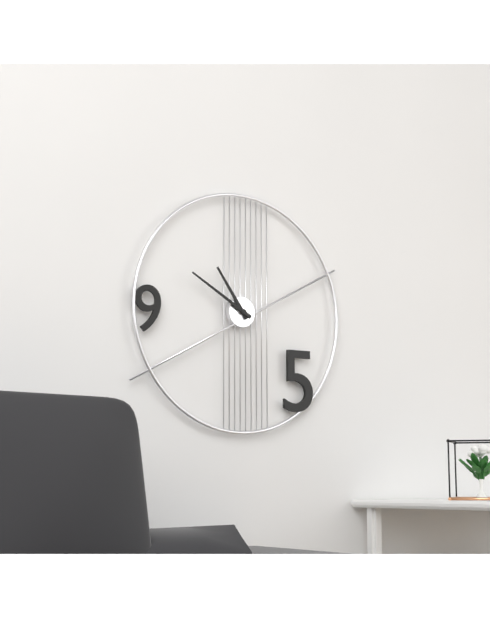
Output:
10.50
